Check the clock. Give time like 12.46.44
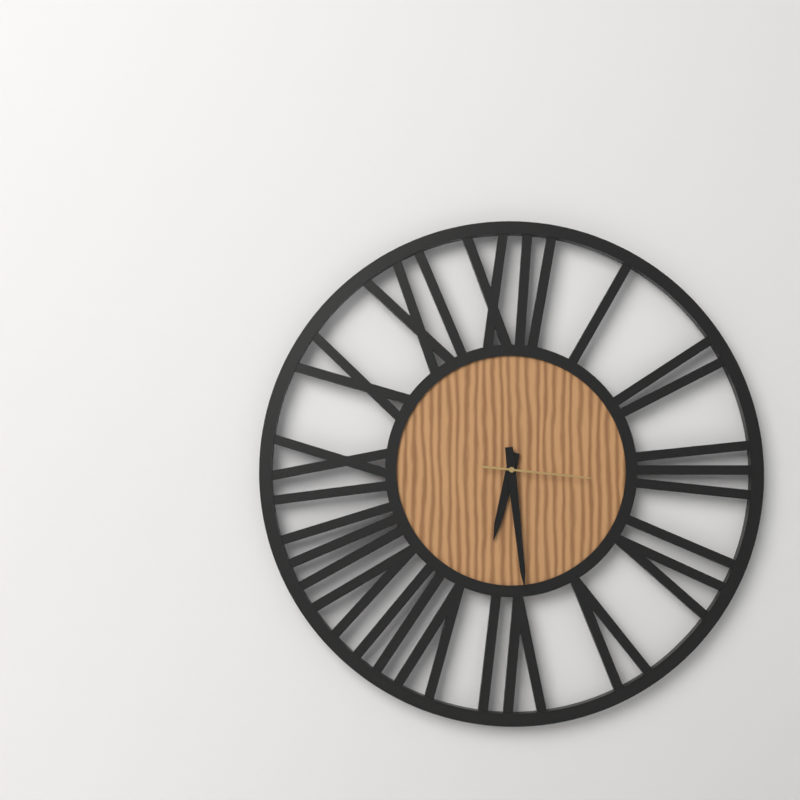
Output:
6.29.16
